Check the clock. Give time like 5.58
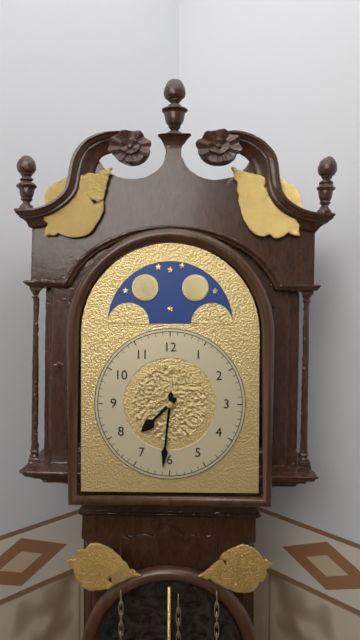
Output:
7.31
